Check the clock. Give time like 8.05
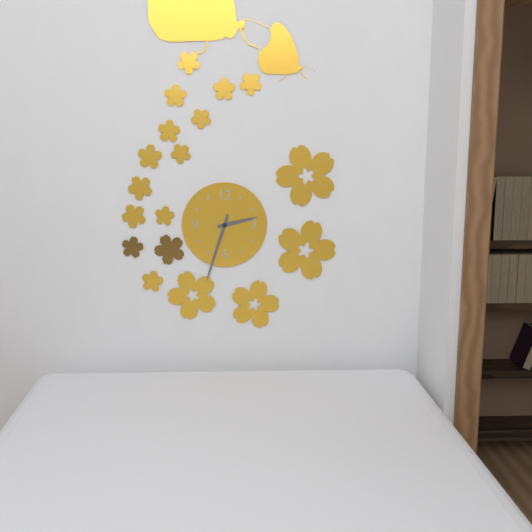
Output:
2.33
